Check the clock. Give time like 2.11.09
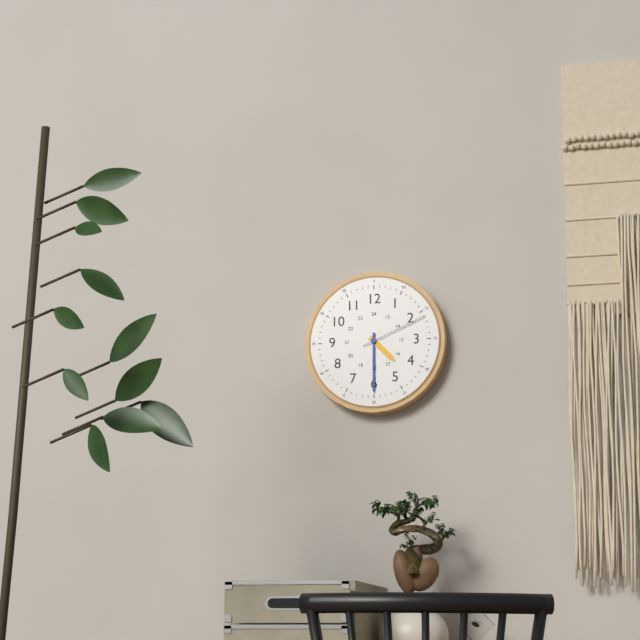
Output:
4.30.11
